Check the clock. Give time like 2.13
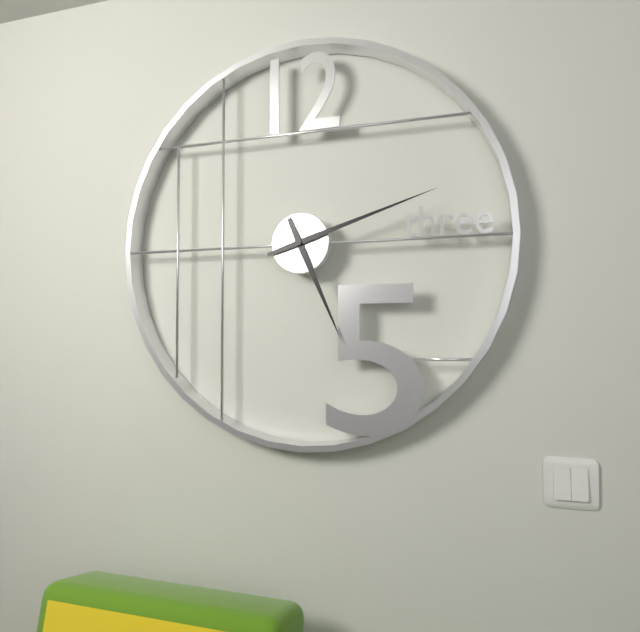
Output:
5.12
